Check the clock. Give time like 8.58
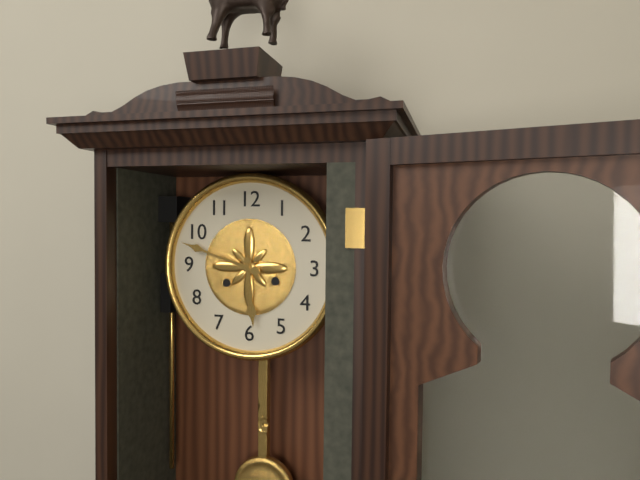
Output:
5.48
